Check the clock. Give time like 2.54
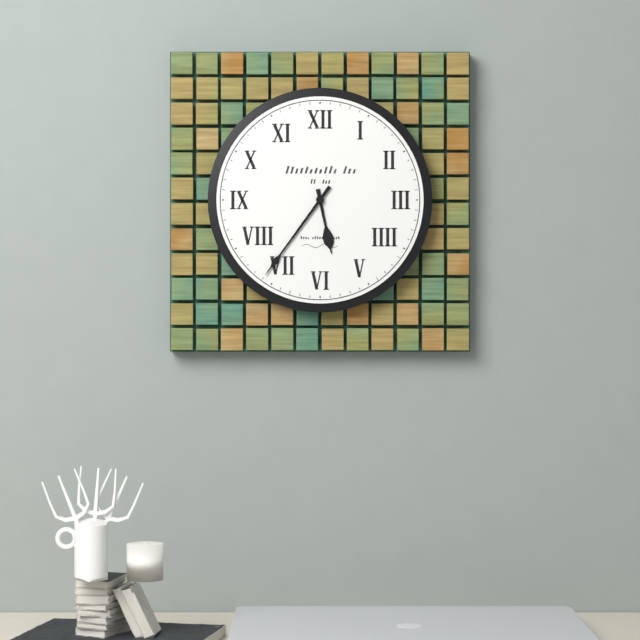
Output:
5.36
